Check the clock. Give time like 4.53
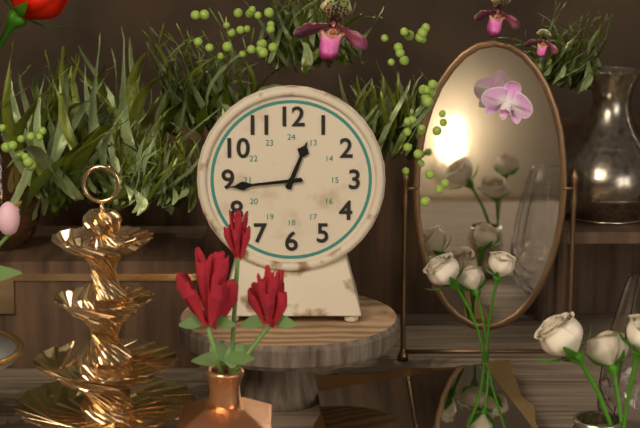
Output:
12.44
